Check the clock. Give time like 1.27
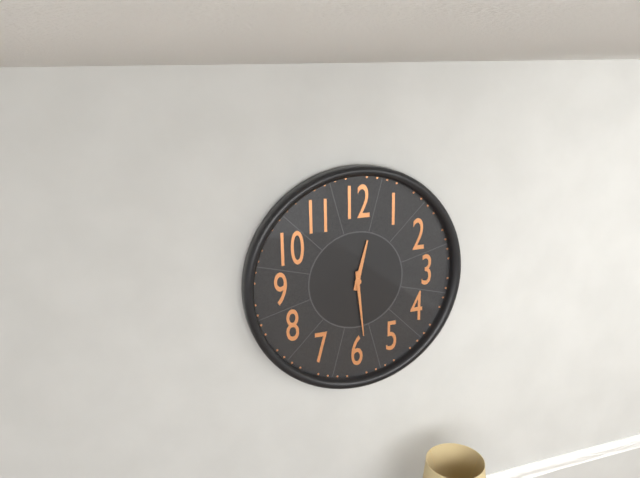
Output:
12.29
